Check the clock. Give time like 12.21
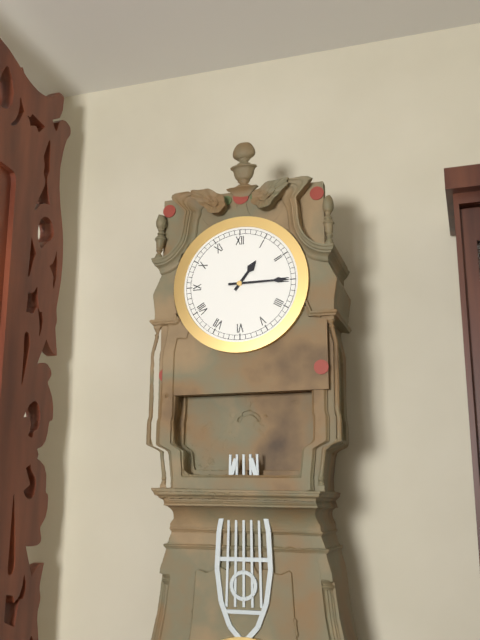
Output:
1.15
